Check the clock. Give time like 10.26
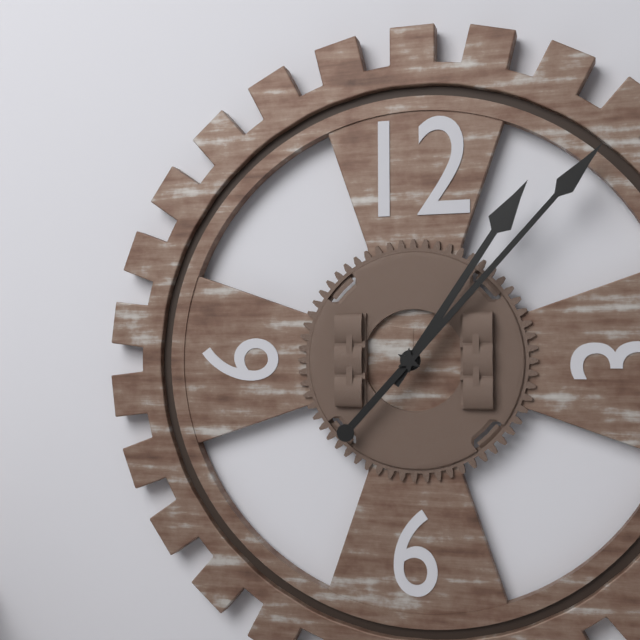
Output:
1.07
